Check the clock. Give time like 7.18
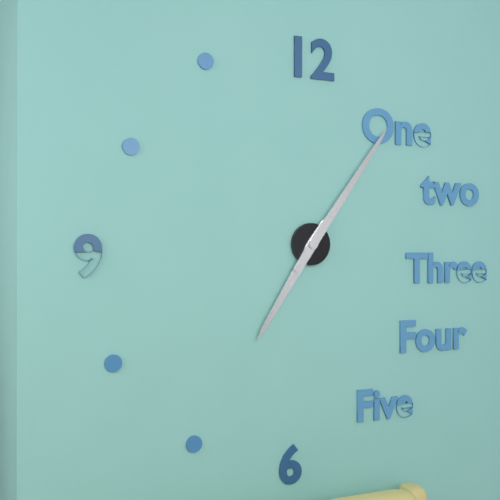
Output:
7.06
